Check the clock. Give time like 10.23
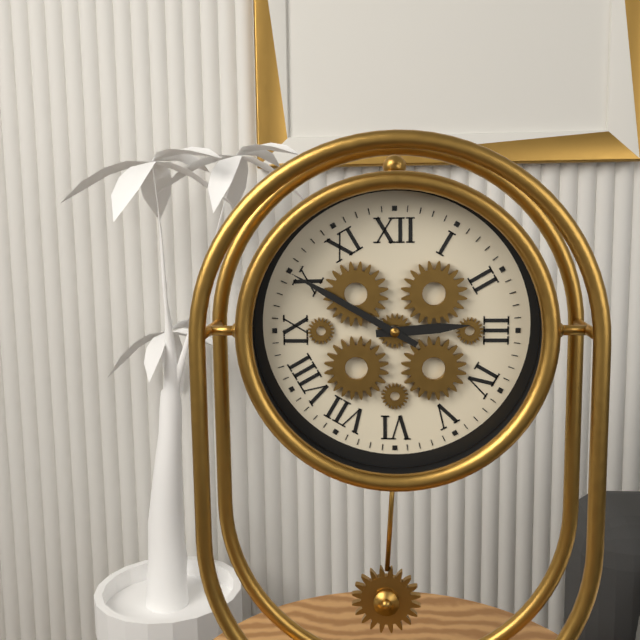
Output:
2.50
